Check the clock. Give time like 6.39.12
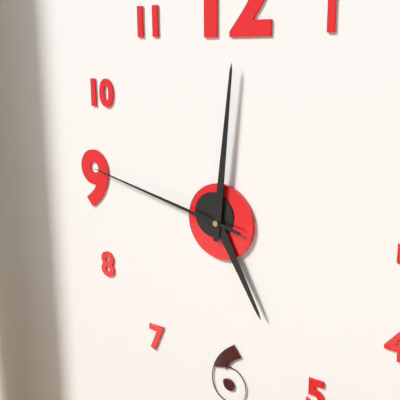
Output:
5.01.47
